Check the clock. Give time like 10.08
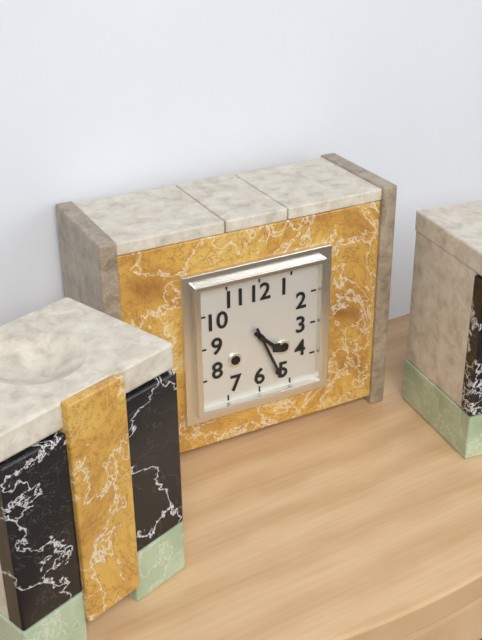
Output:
4.26
